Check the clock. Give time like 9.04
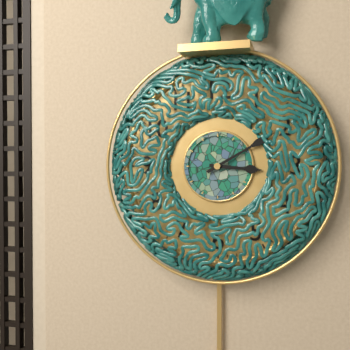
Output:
3.10
